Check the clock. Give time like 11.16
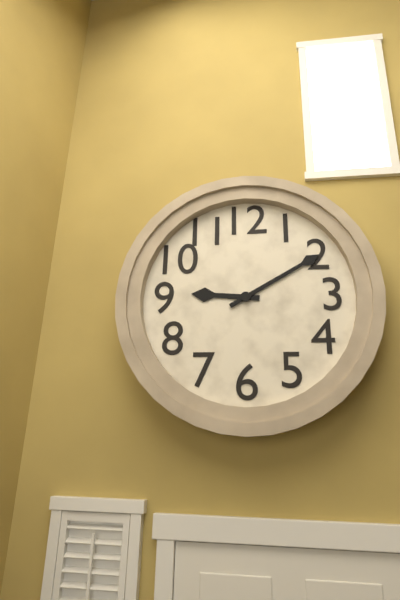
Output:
9.10
